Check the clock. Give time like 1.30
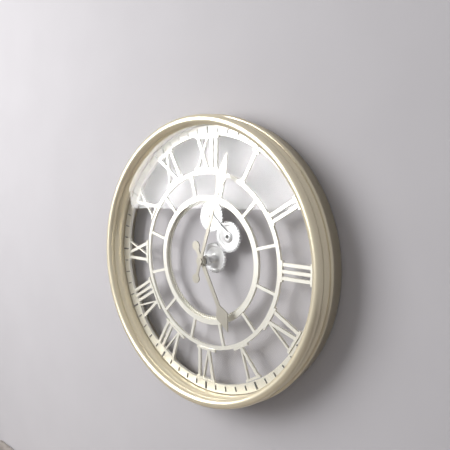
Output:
5.03
